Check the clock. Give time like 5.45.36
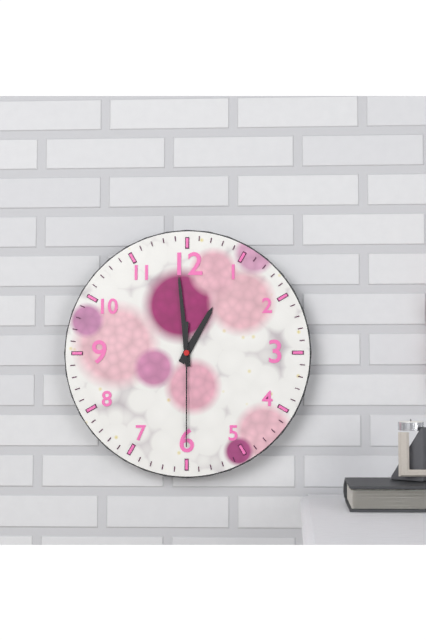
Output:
12.59.30
